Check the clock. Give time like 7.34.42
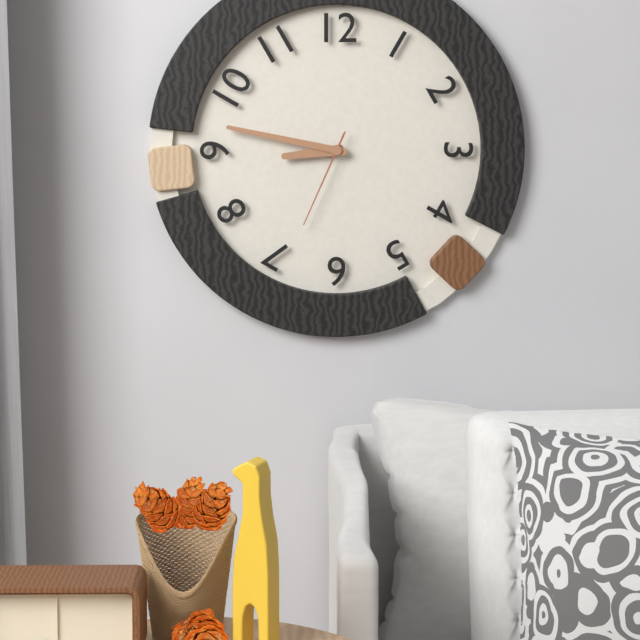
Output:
8.47.34
